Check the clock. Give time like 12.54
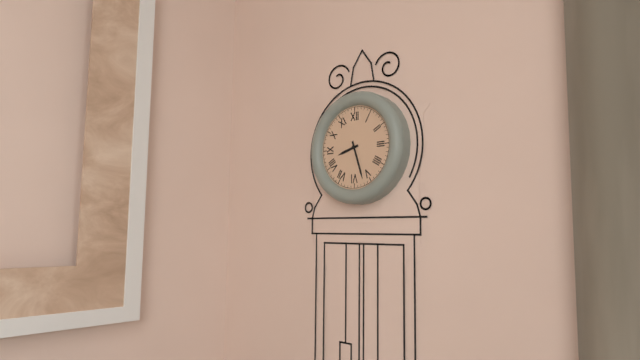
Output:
8.27
